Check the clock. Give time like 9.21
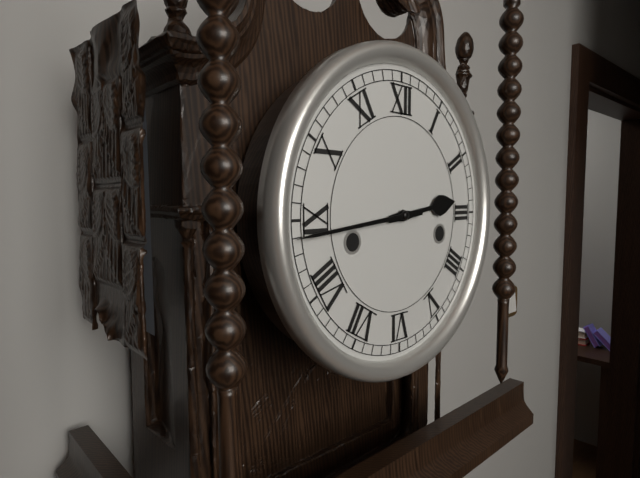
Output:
2.44
